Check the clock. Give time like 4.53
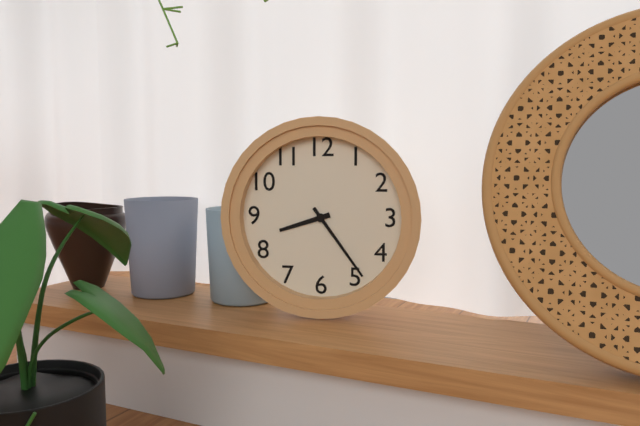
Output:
8.24
